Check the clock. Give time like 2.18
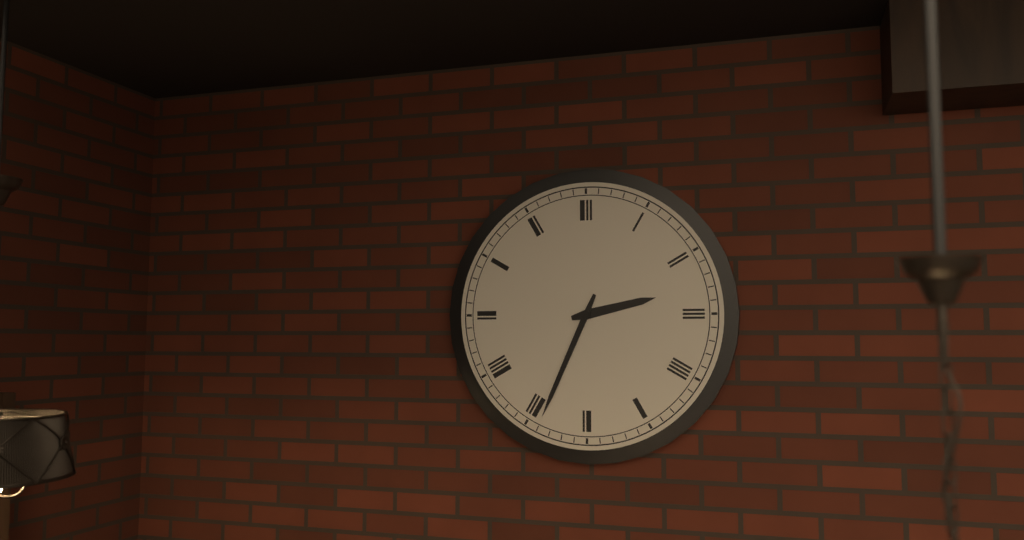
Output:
2.34
